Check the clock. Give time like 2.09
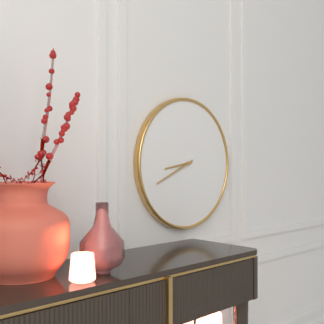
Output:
8.41
